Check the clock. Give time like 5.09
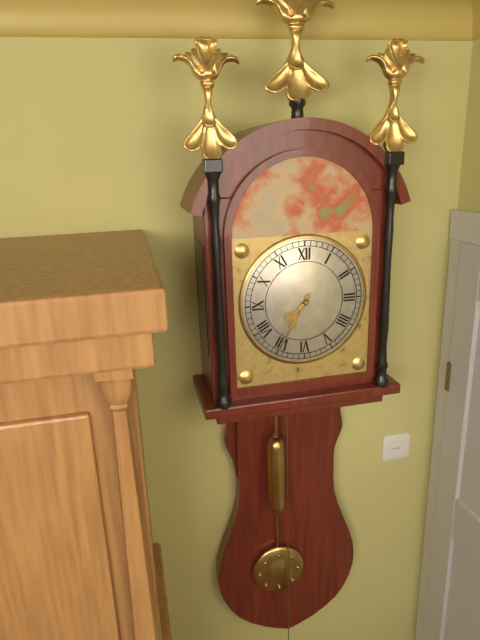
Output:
7.35
